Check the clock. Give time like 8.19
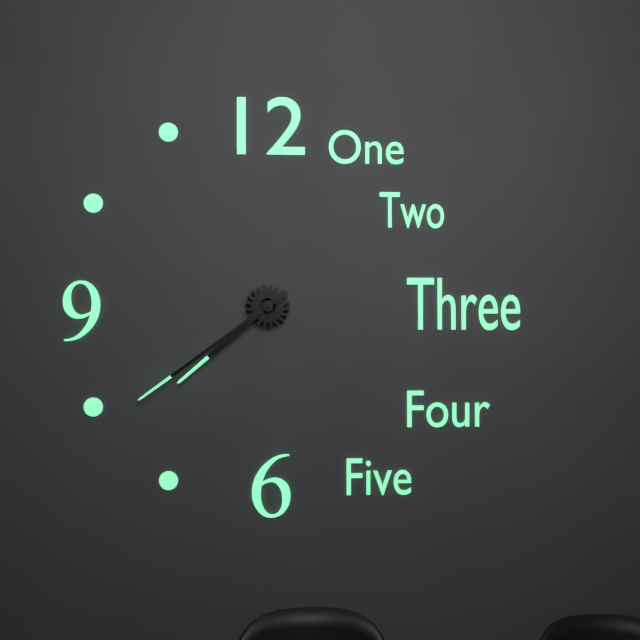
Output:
7.39
